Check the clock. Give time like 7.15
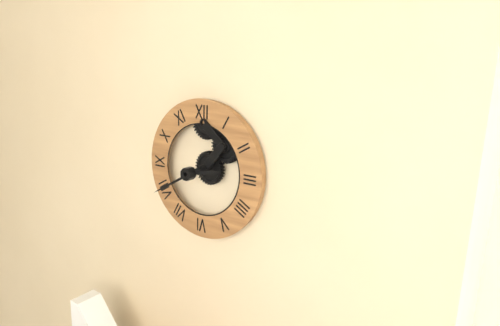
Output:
2.40
